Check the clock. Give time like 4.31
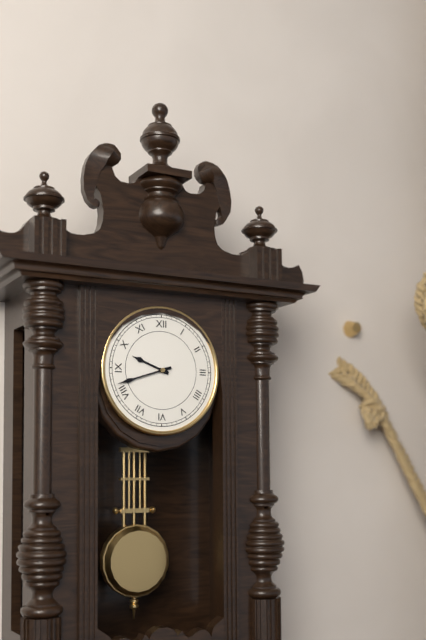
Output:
9.42
